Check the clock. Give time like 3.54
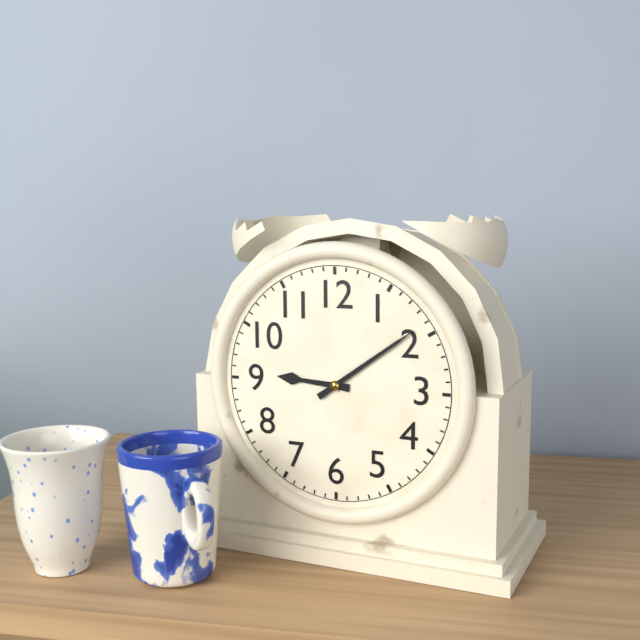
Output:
9.09
